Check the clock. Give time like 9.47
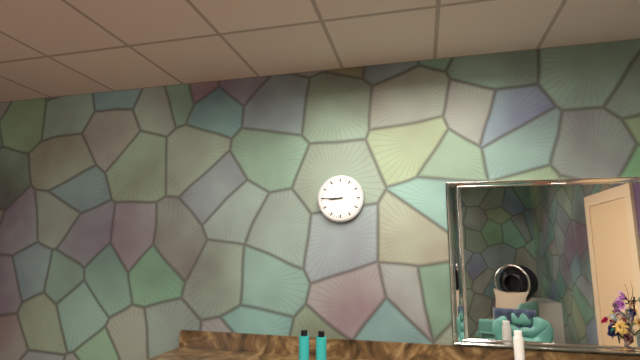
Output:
8.45
